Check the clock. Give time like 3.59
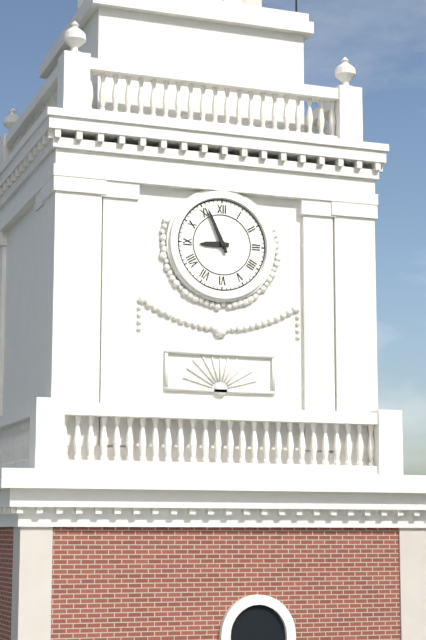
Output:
8.56
